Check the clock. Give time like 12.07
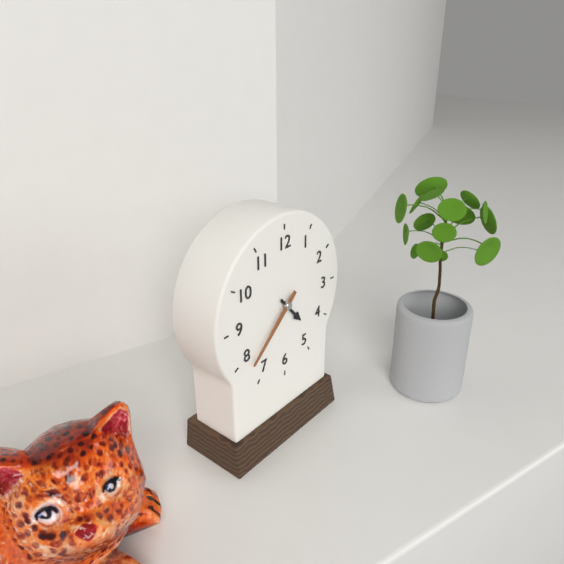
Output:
4.38
